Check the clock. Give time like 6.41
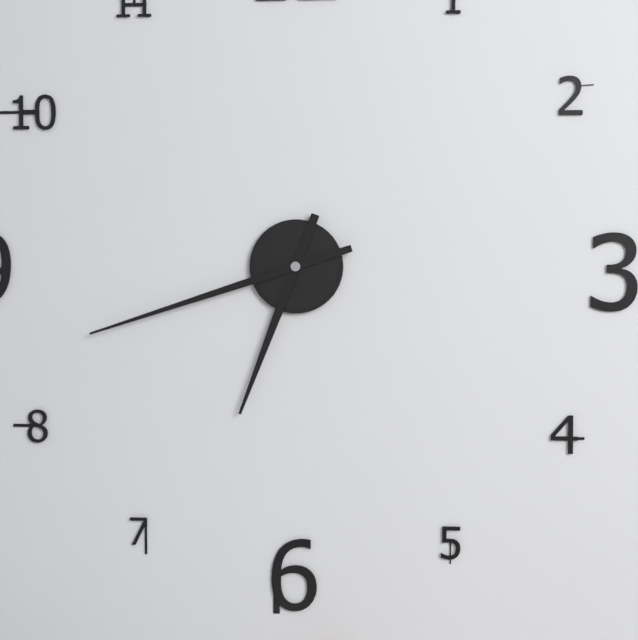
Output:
6.42
